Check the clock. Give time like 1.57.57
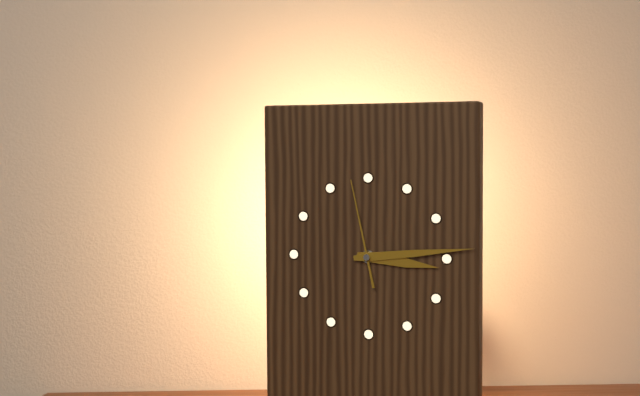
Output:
3.14.58
